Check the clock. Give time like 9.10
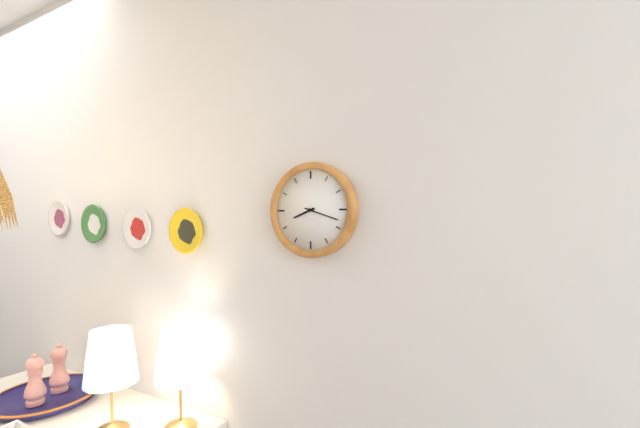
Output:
8.18
